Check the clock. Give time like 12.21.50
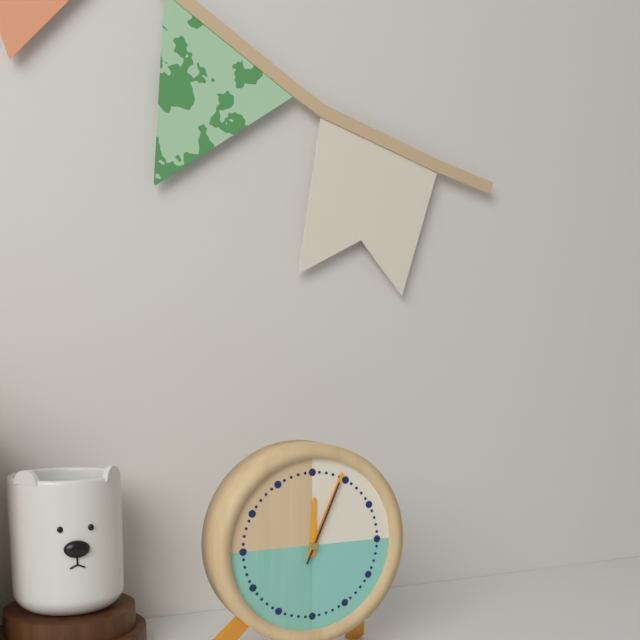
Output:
12.04.04
